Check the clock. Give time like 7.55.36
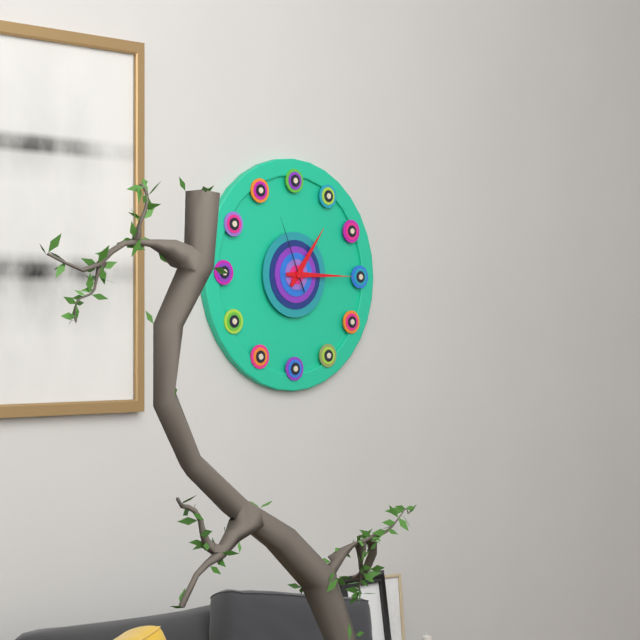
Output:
1.15.56
